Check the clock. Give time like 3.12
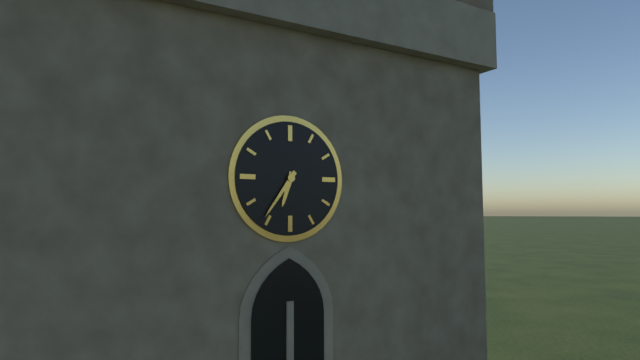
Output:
6.36
